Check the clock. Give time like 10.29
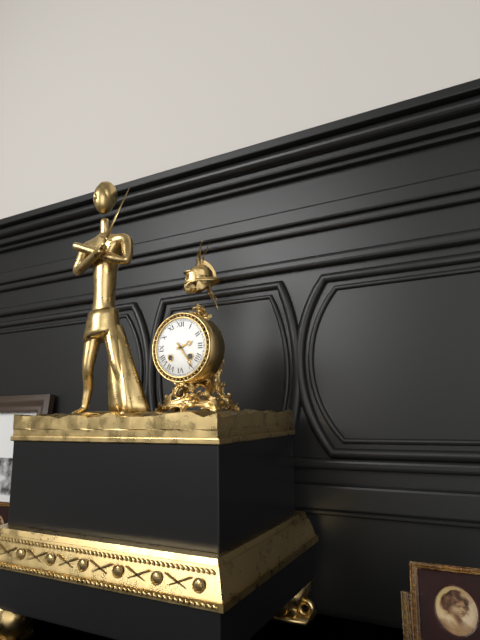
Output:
2.24
